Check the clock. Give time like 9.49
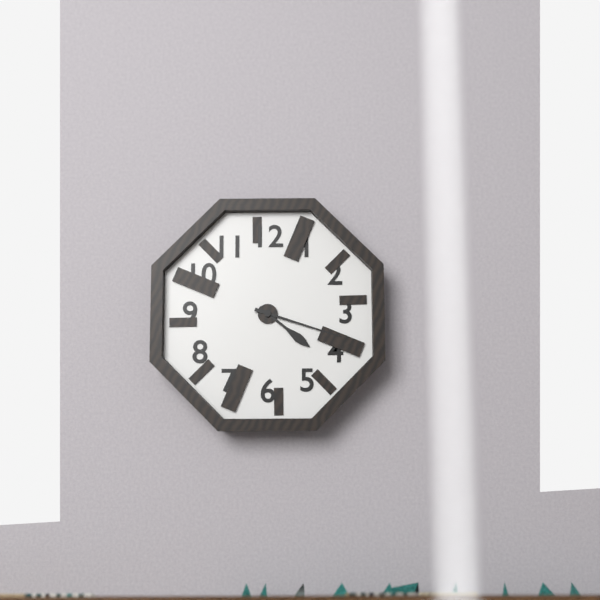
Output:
4.18
